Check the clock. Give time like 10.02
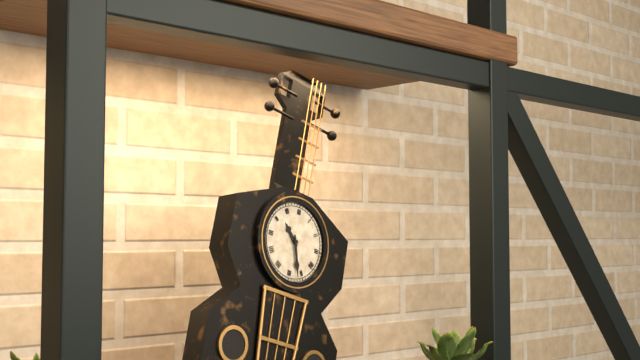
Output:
10.27
